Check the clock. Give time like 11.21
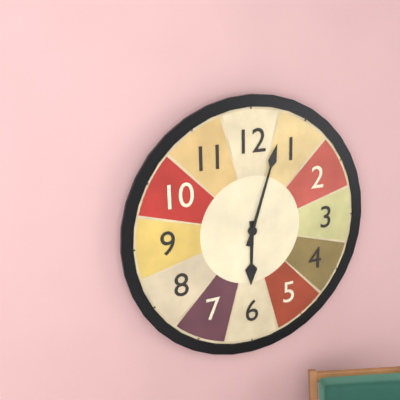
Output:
6.03
